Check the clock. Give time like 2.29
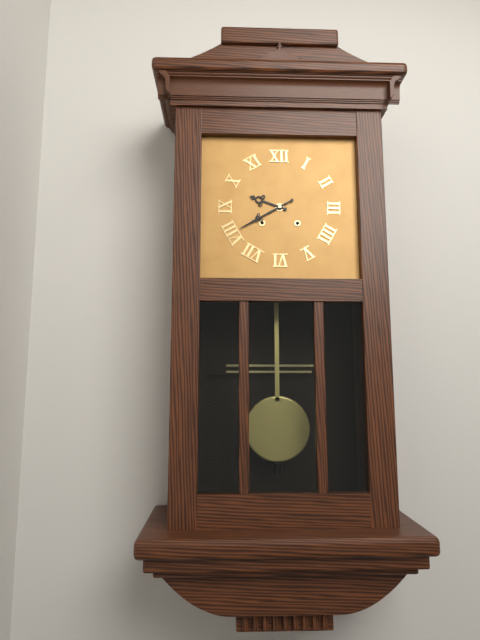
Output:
9.40
